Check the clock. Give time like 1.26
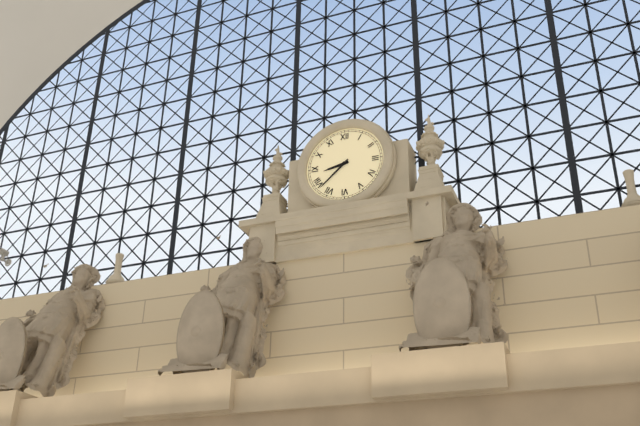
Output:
8.38
